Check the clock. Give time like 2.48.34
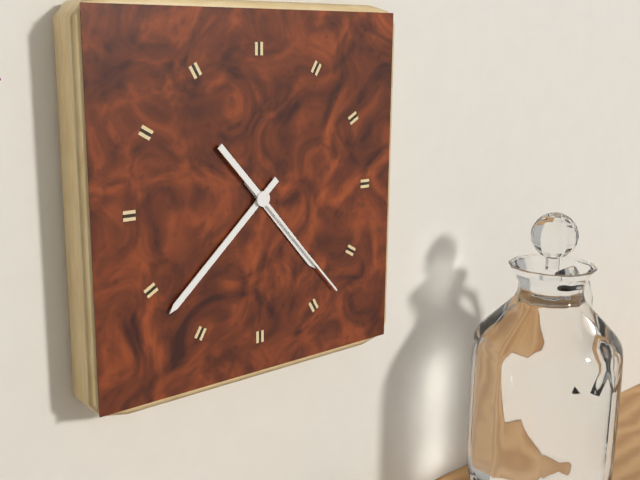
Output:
4.38.23
